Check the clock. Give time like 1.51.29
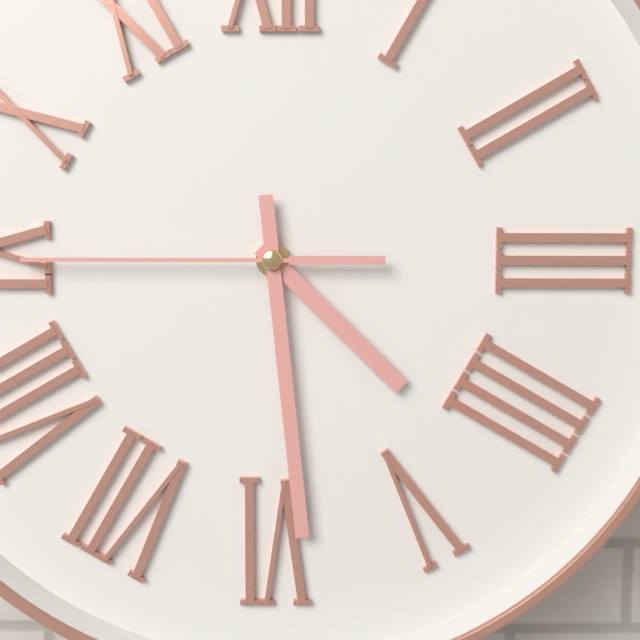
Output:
4.29.45
